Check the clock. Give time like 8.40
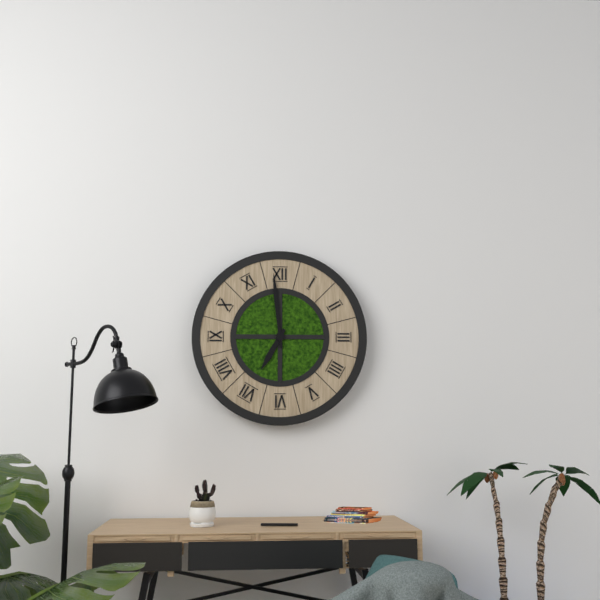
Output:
6.59
